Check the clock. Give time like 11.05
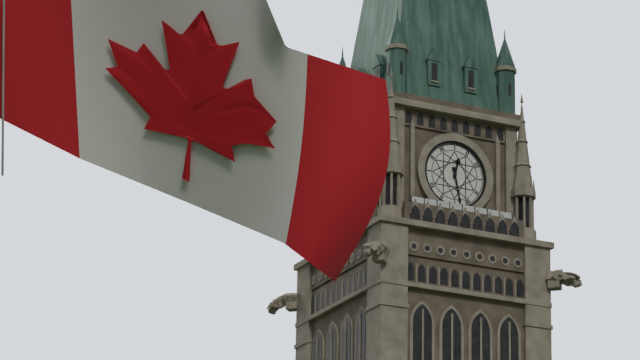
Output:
12.28
